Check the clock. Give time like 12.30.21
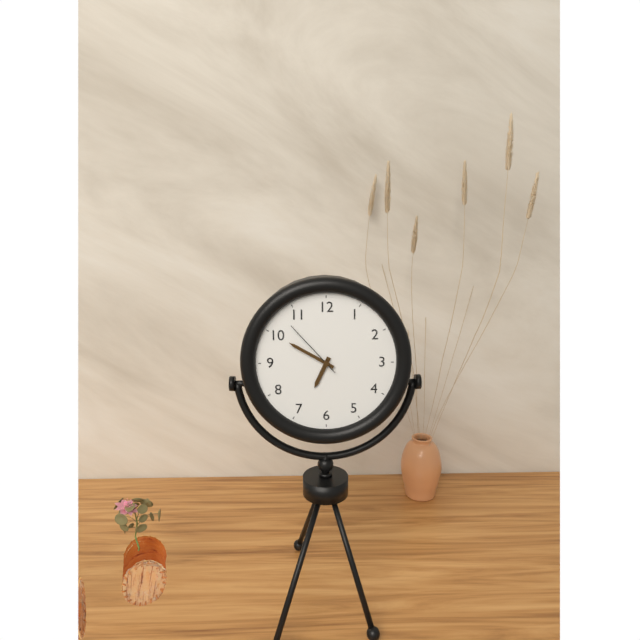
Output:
6.50.53
